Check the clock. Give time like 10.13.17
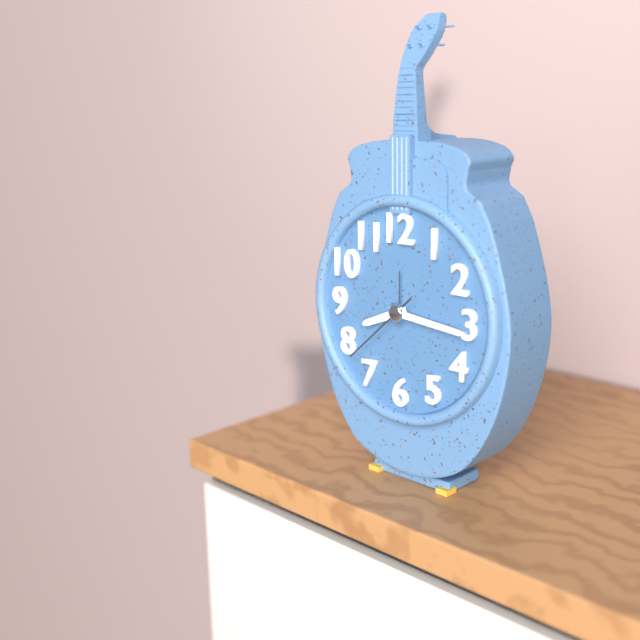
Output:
8.16.38
